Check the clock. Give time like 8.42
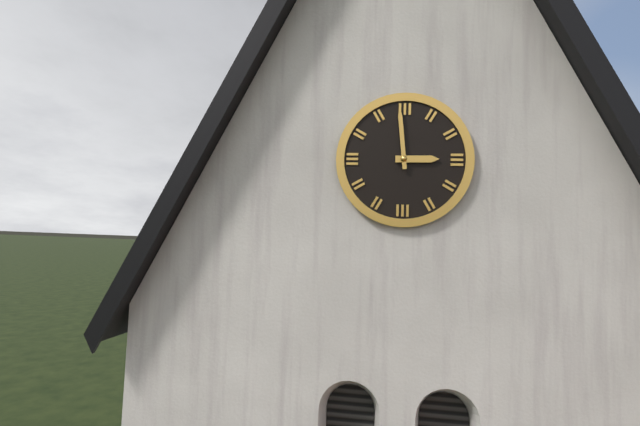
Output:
2.59
